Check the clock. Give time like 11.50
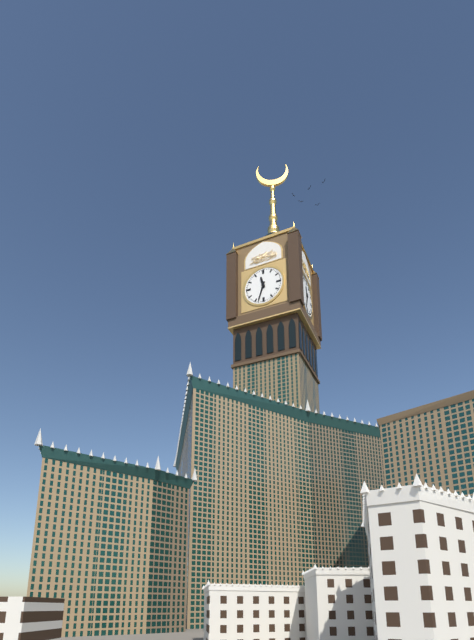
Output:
11.33
